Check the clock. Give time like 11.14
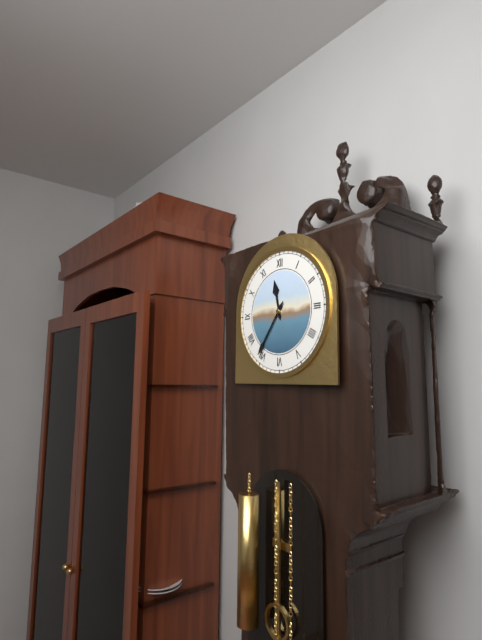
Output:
11.36
